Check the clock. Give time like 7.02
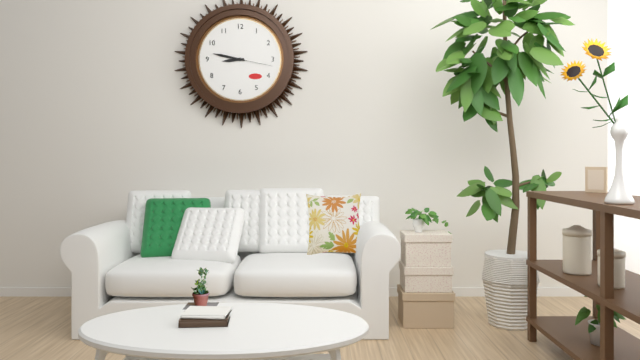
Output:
8.47
